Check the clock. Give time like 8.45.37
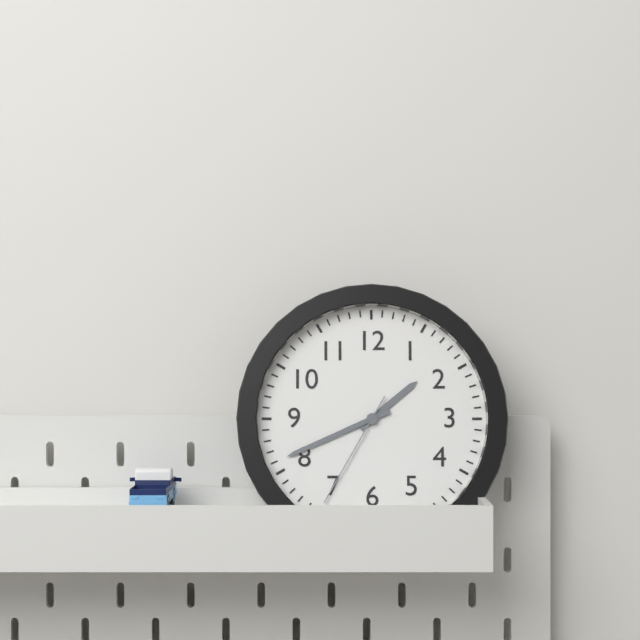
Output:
1.41.35
